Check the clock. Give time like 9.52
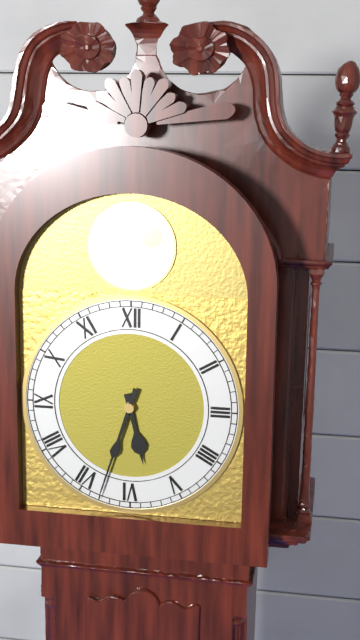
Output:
5.33
